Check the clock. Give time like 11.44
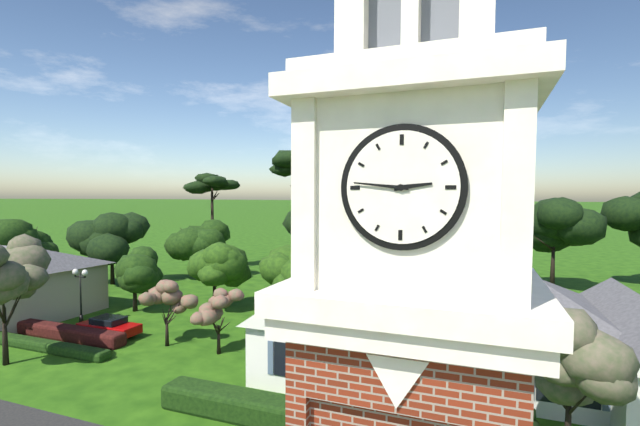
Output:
2.46
